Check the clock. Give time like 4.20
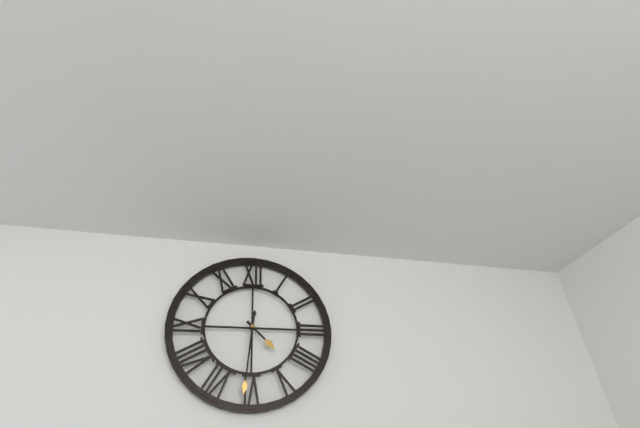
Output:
4.31
